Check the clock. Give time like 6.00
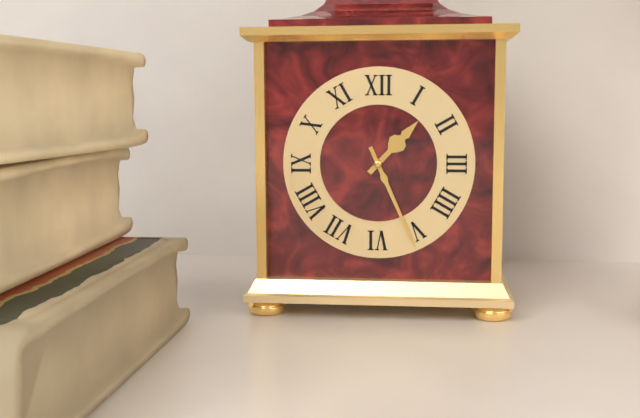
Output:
1.26
